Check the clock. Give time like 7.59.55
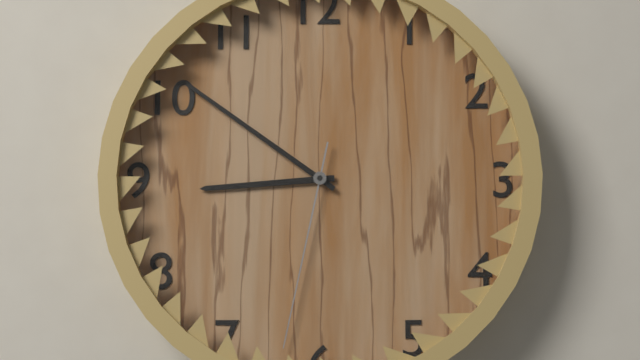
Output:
8.51.32
